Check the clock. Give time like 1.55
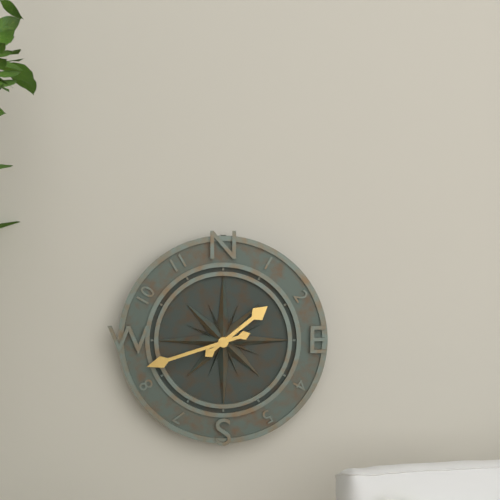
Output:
1.42
